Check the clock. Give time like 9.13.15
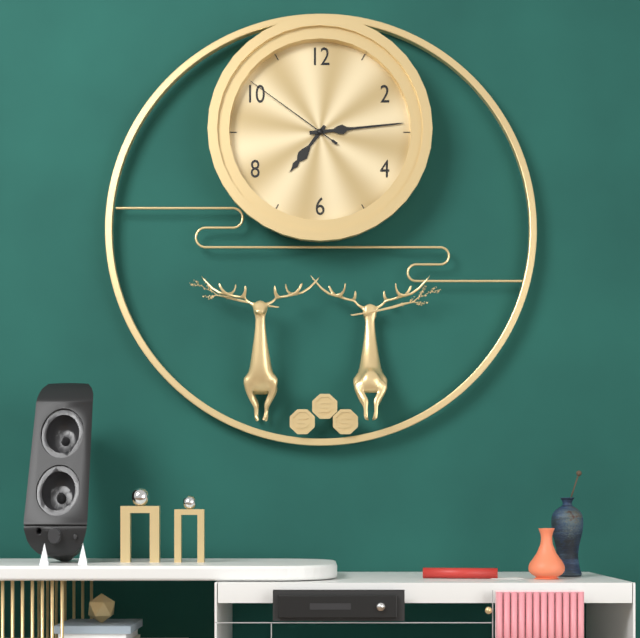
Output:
7.14.51
